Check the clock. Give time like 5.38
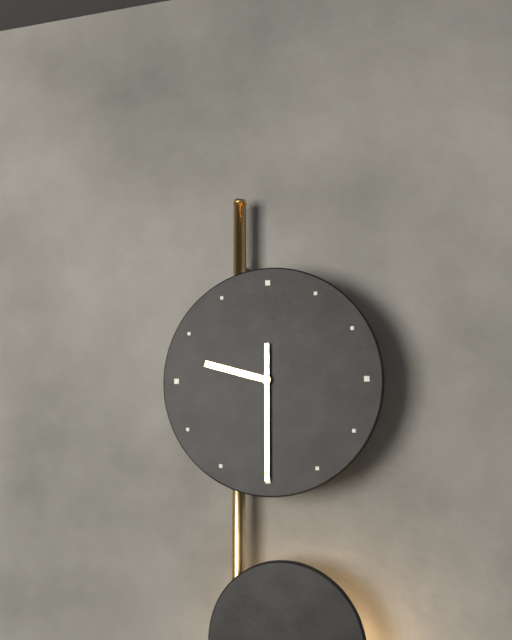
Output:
9.30
